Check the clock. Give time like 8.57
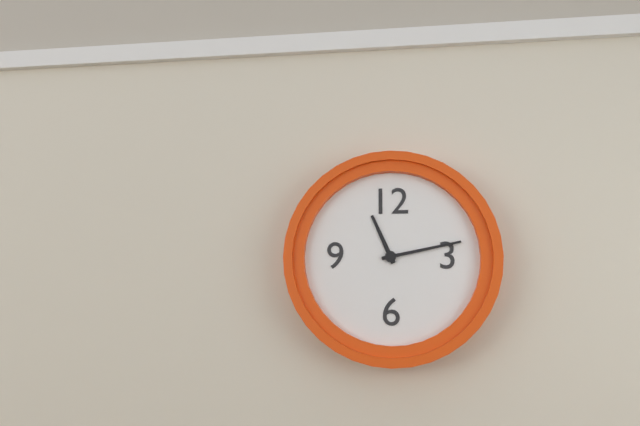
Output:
11.13
